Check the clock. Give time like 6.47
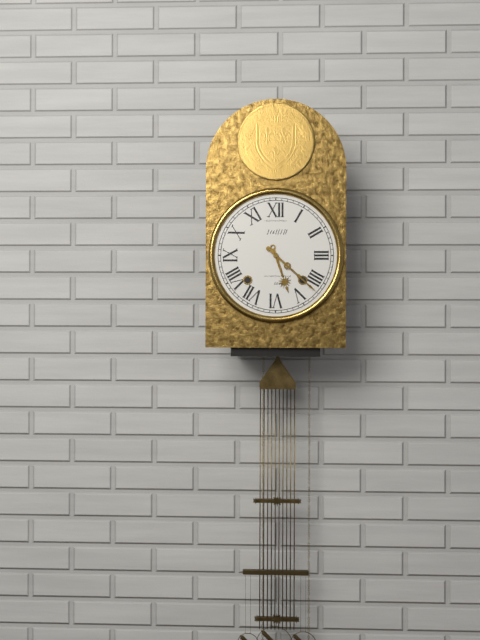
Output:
5.22
